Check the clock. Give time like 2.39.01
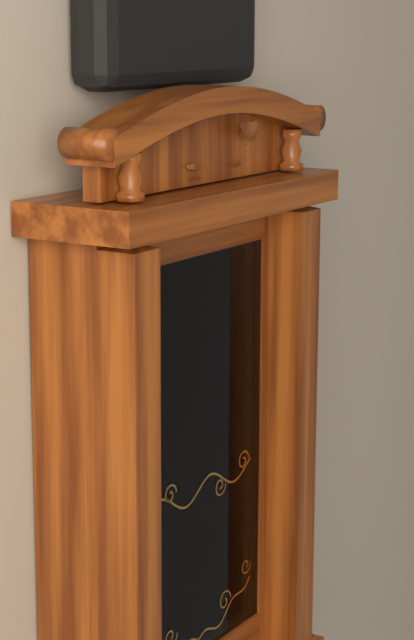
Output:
9.46.11
